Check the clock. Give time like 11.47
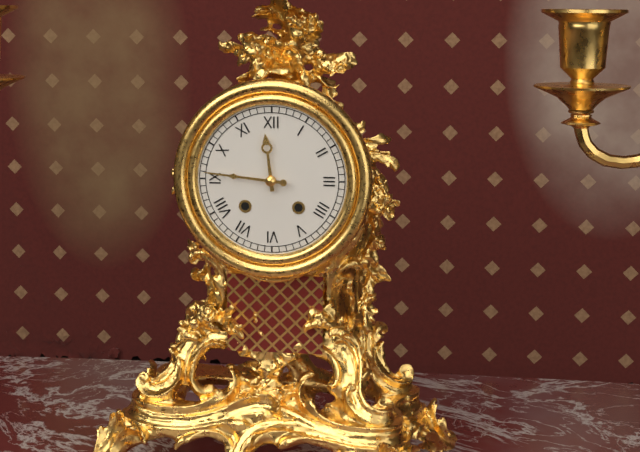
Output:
11.46
